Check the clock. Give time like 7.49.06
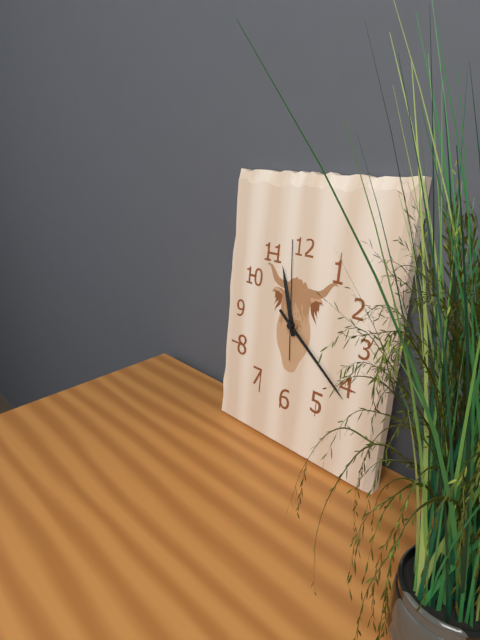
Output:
11.21.59
